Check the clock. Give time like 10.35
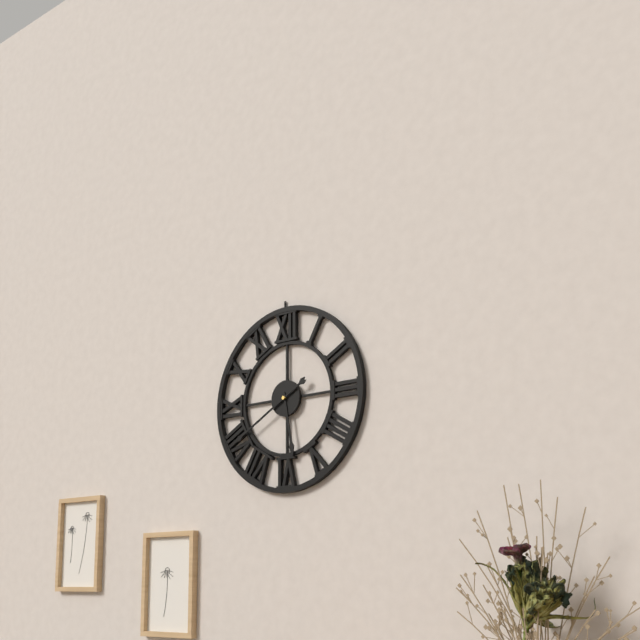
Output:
5.40
